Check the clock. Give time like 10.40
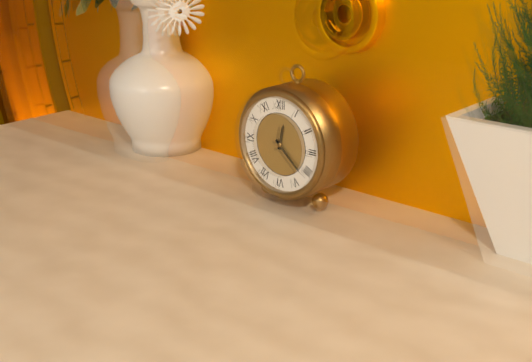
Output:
12.22
